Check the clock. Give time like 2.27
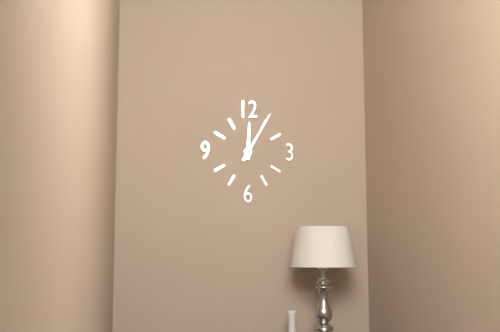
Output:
12.05
